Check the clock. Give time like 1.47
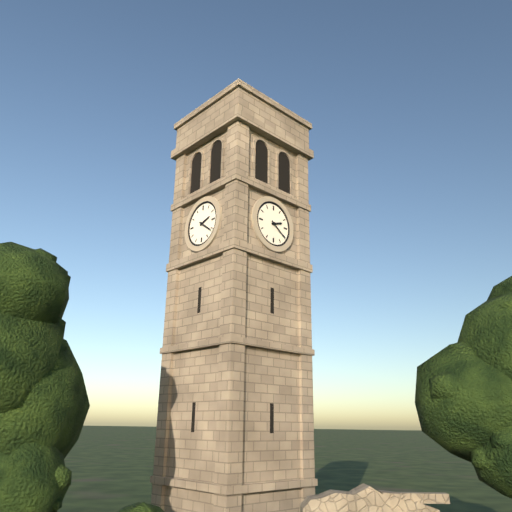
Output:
2.21
